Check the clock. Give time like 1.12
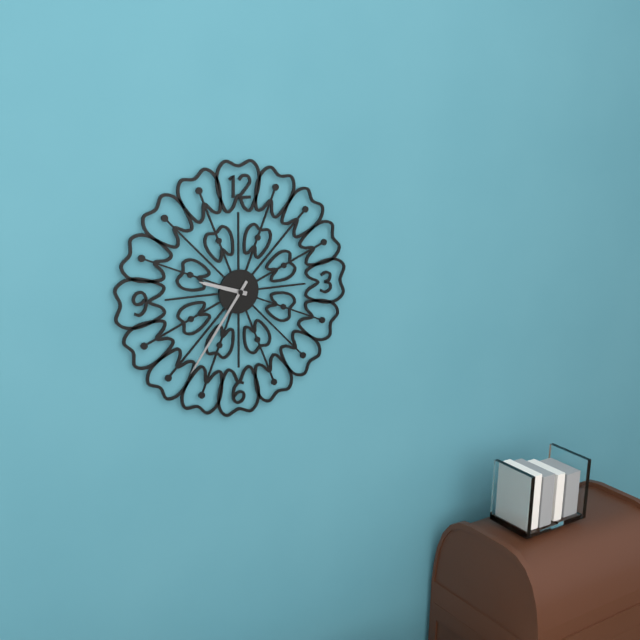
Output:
9.36
